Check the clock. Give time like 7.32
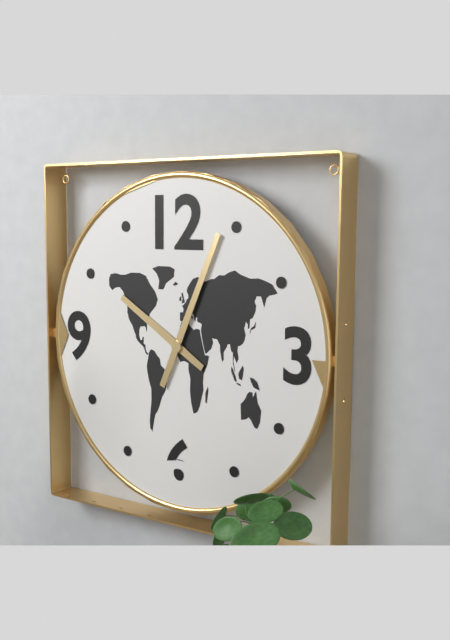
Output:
10.04
